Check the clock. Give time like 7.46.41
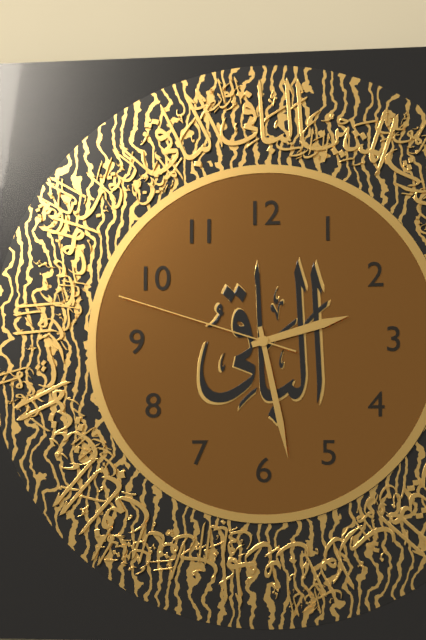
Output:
2.28.48
